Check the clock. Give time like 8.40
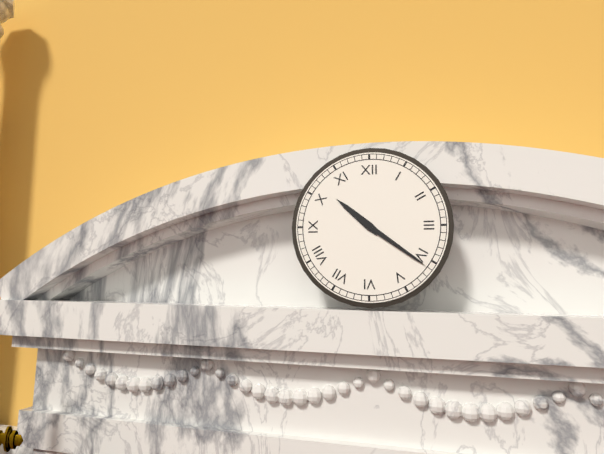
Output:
10.21
